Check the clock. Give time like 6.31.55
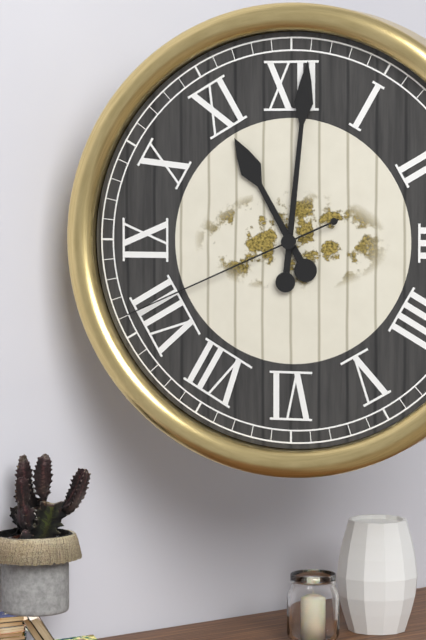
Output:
11.01.41
